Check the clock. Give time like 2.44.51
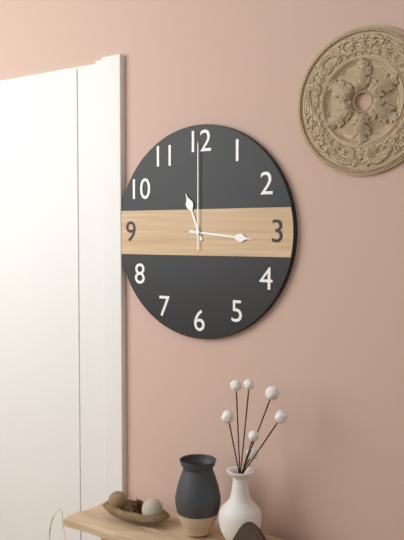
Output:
11.16.00
